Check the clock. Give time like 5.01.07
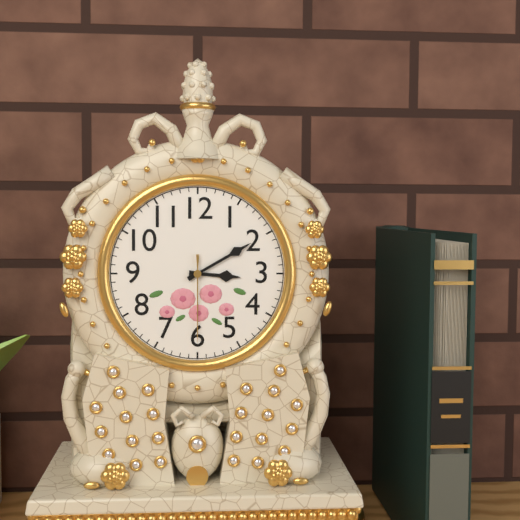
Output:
3.10.30
